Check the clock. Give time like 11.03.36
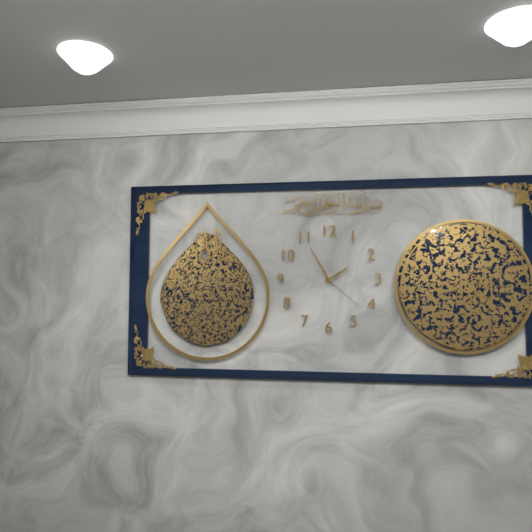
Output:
1.55.22
